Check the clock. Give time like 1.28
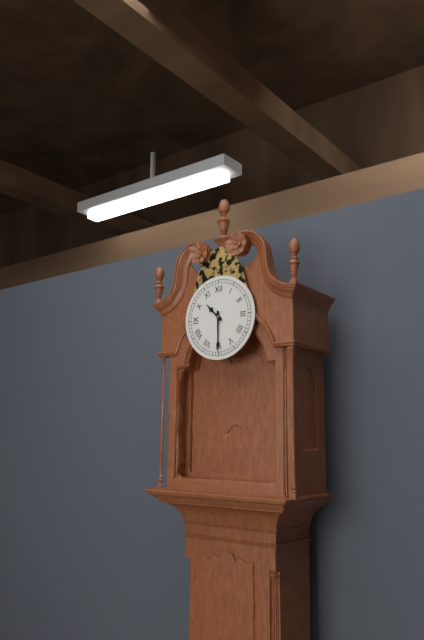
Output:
10.30
